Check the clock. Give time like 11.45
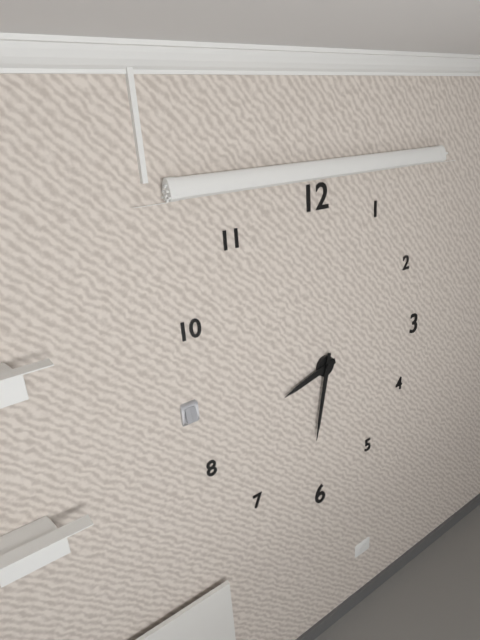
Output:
8.32
